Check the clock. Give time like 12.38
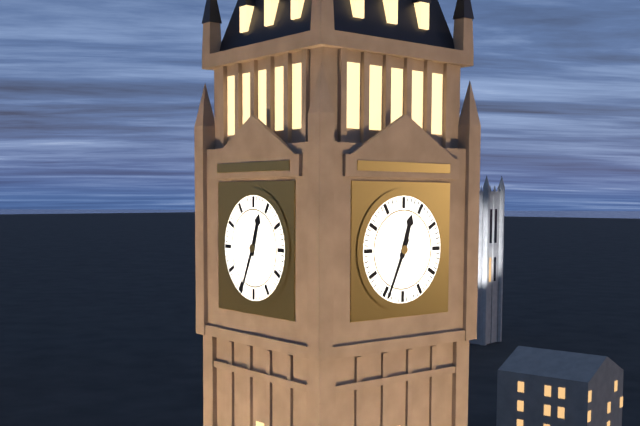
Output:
12.34
